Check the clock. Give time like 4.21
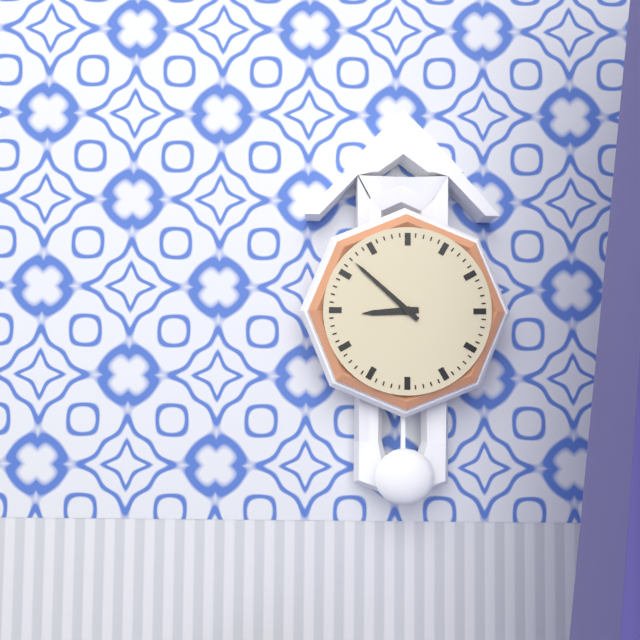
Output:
8.52
